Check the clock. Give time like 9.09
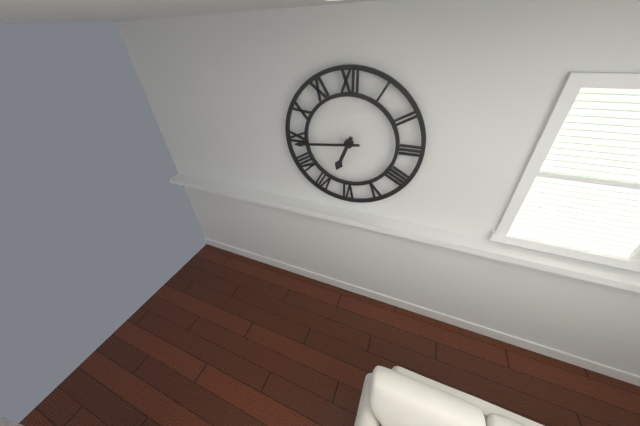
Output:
6.44
